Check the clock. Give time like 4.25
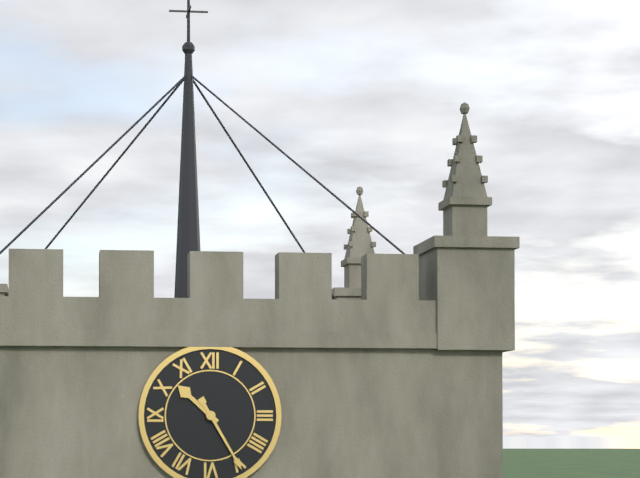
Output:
10.25
